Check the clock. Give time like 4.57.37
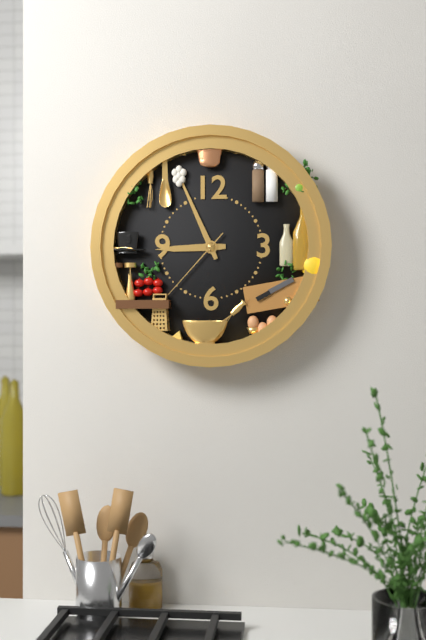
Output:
8.56.37
